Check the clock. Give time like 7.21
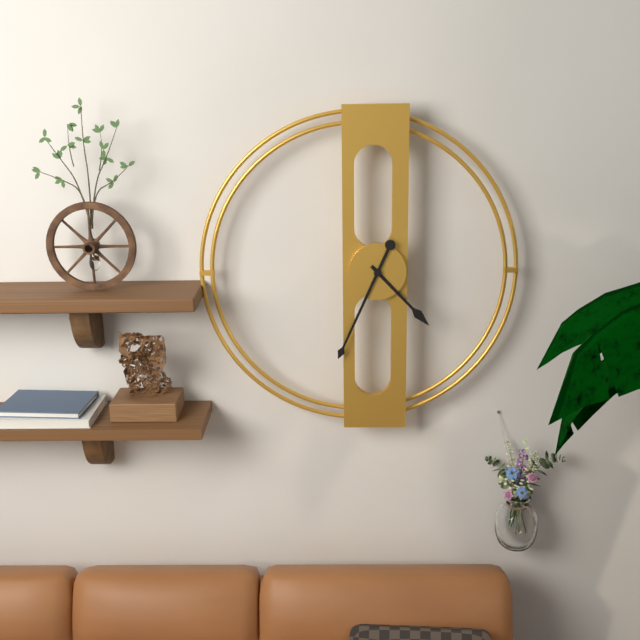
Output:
4.34
